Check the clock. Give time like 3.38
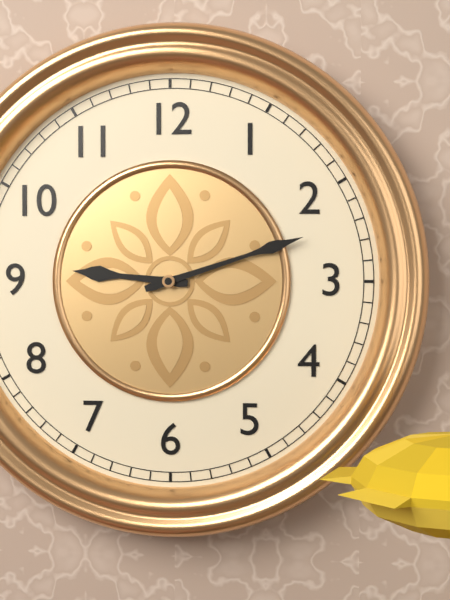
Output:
9.12
